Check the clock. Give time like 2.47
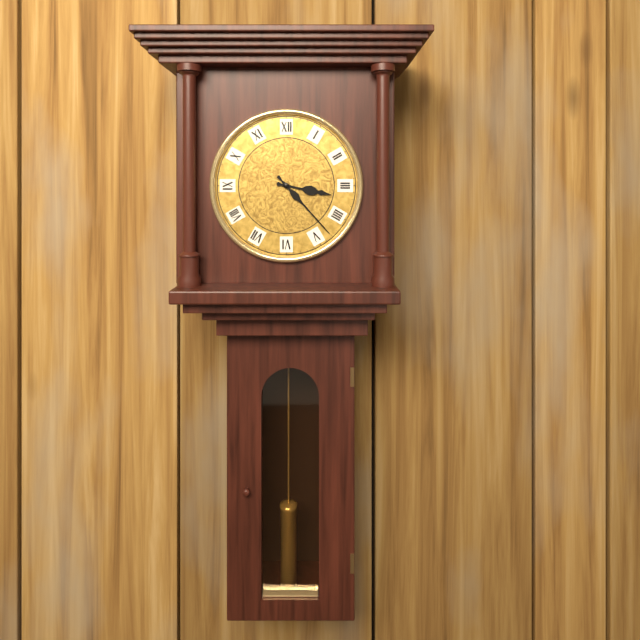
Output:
3.23
